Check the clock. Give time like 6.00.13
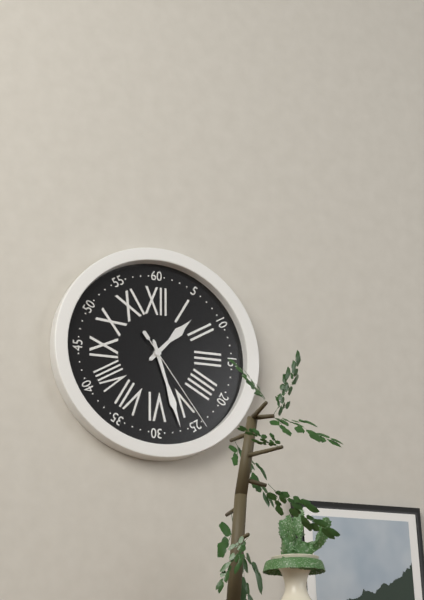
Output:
1.27.24
